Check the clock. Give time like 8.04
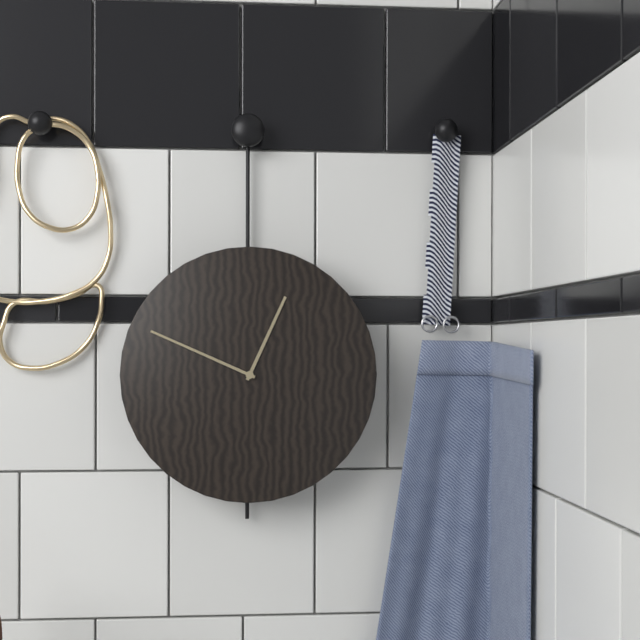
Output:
12.49
